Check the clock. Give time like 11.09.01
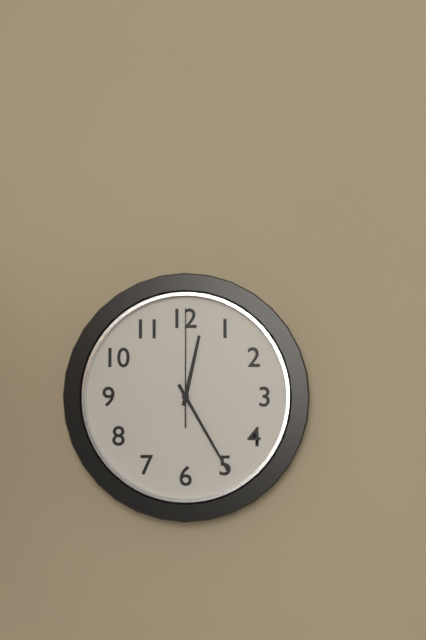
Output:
12.25.00
